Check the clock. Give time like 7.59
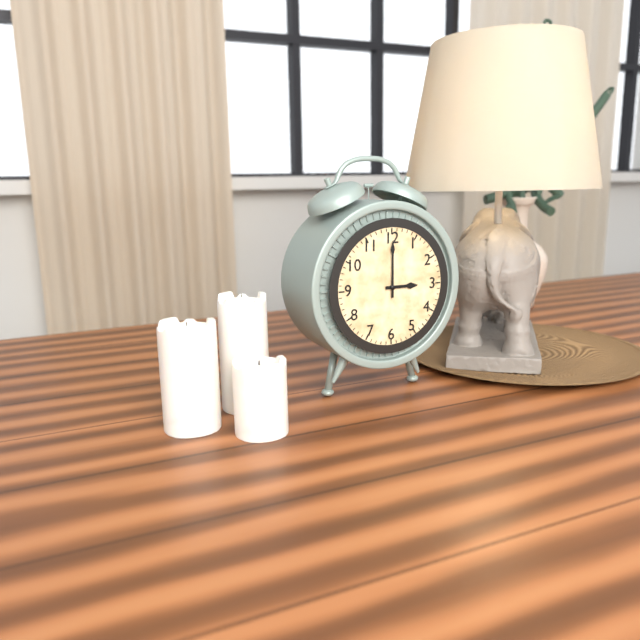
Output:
3.00
